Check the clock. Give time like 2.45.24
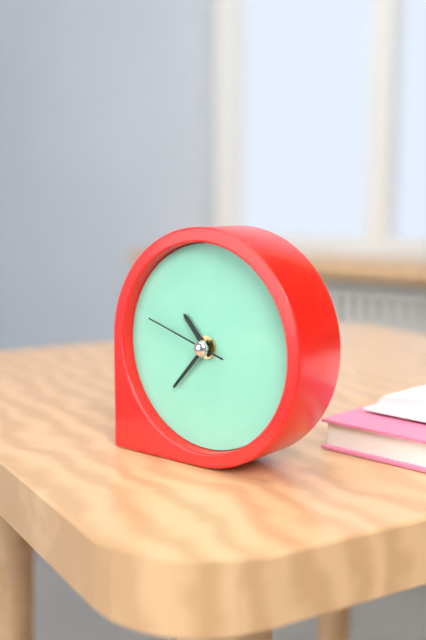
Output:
10.37.48
